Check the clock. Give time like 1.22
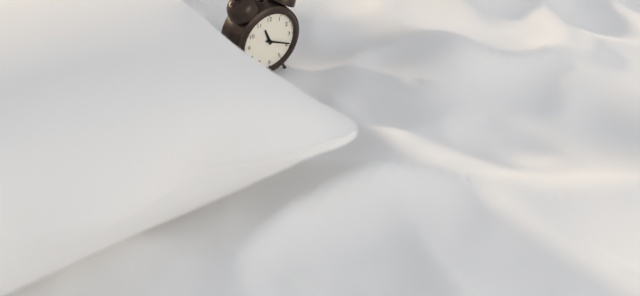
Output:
11.19
